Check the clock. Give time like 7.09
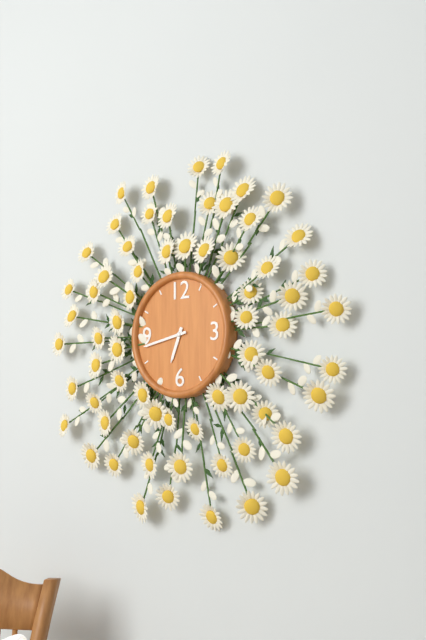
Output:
6.43
